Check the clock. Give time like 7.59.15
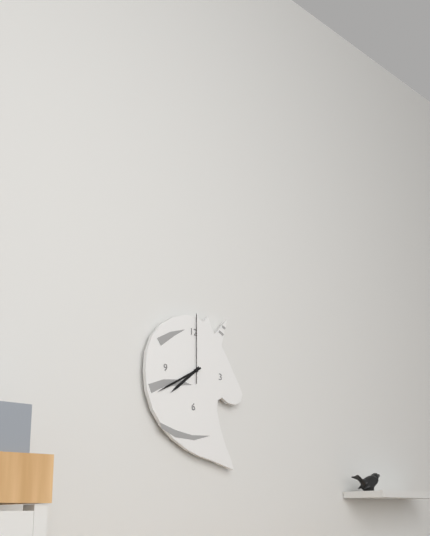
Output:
7.40.00
